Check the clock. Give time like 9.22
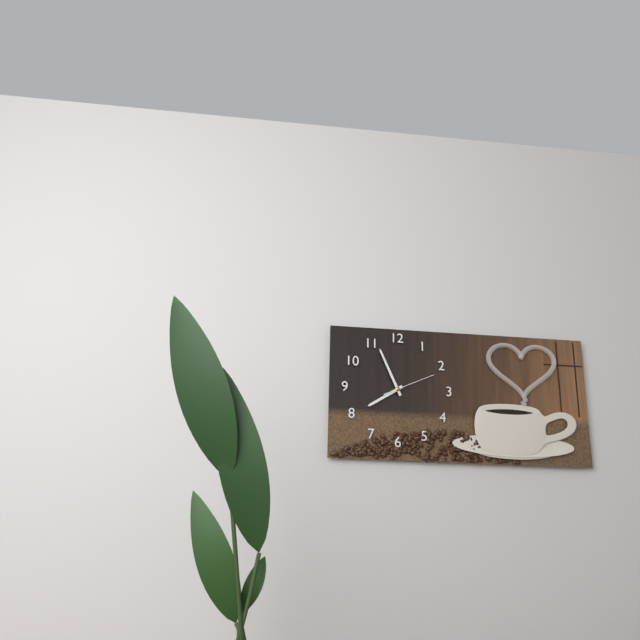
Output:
7.56
